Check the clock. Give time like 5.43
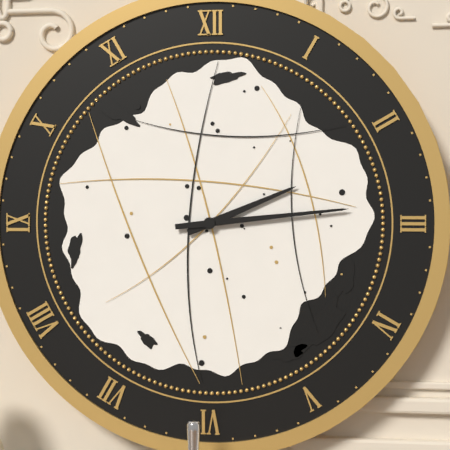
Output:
2.14
